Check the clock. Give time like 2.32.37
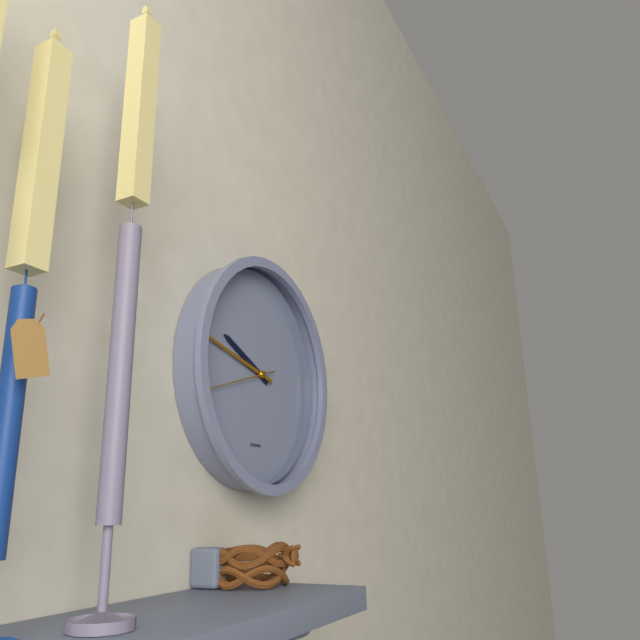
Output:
9.47.42
